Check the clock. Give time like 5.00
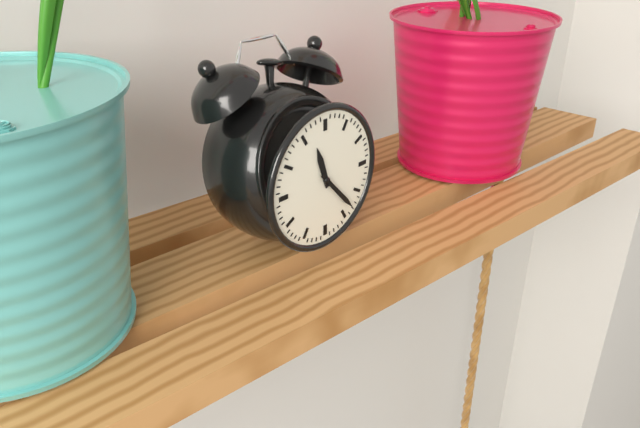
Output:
11.23
